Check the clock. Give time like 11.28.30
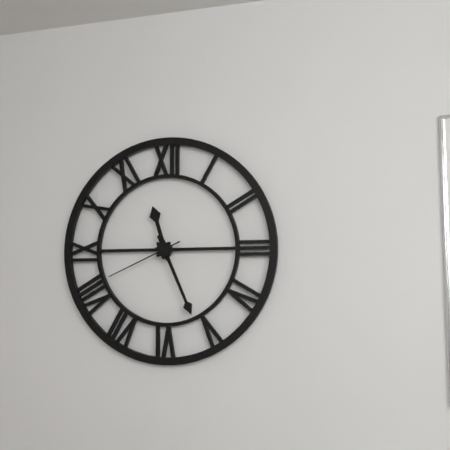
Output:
11.26.41
